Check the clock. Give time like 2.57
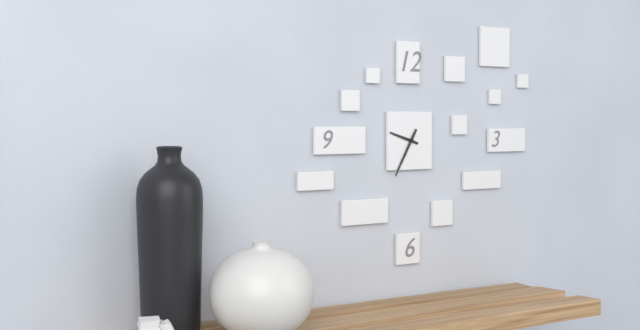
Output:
9.35
